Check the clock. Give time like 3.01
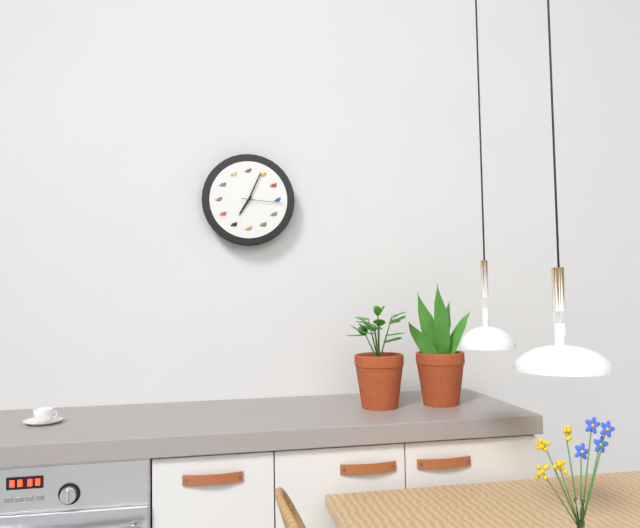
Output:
7.04
